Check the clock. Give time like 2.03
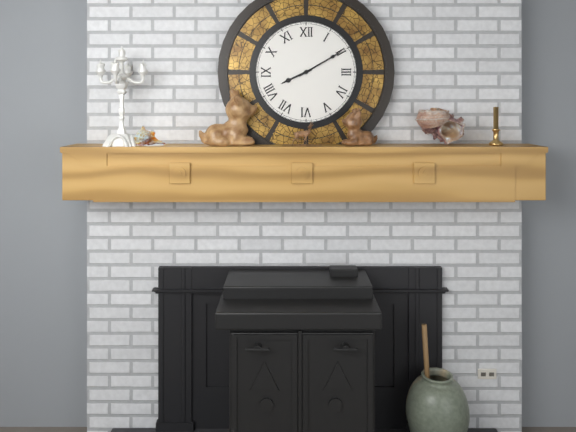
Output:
8.10
